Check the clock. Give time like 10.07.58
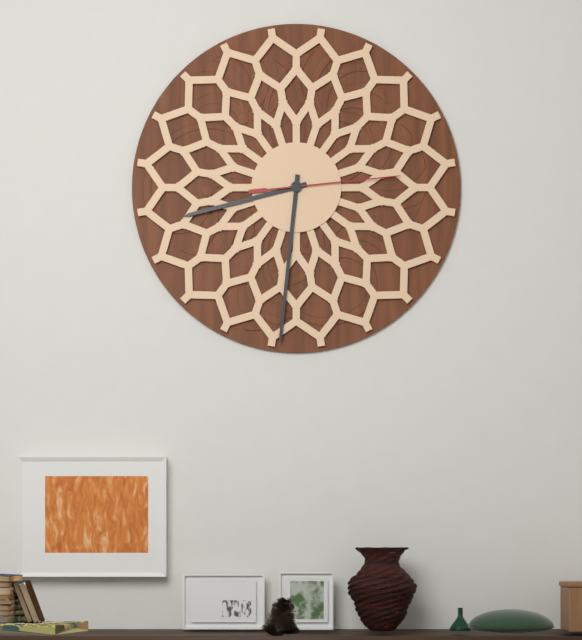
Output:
8.31.14
